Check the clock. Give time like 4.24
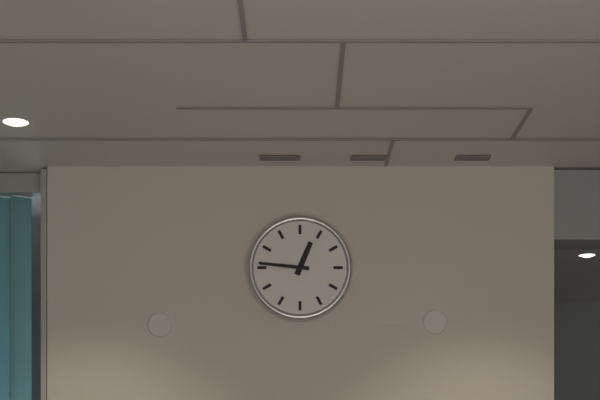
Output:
12.46
